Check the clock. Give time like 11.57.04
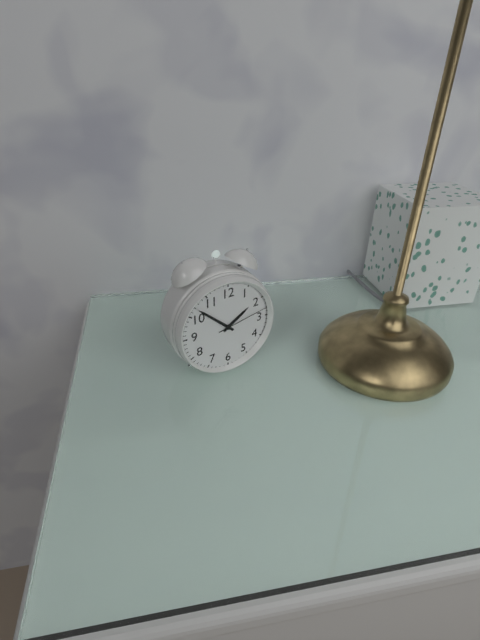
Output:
1.52.13
